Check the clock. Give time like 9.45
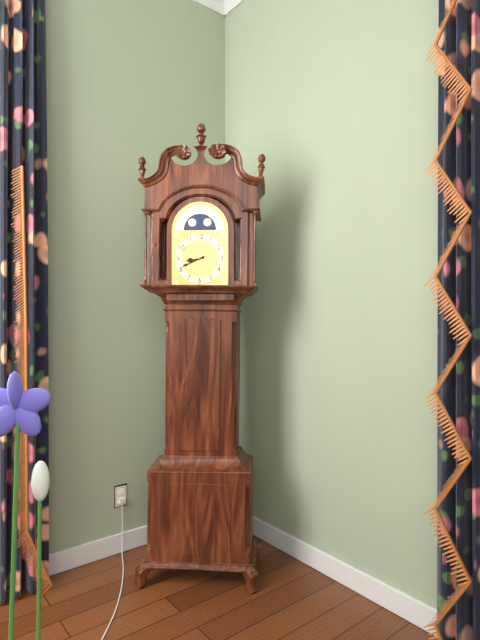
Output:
8.41
